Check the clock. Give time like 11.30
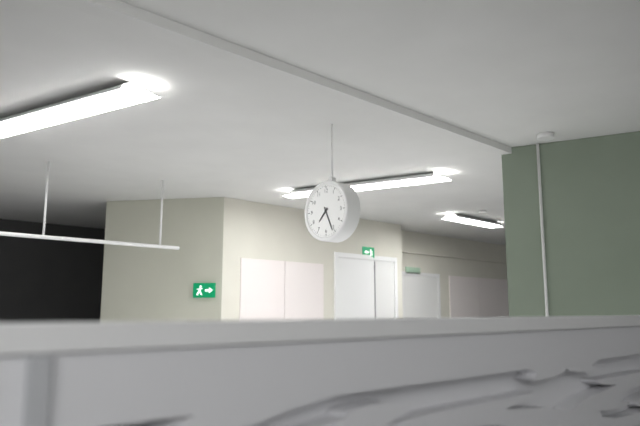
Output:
7.26
